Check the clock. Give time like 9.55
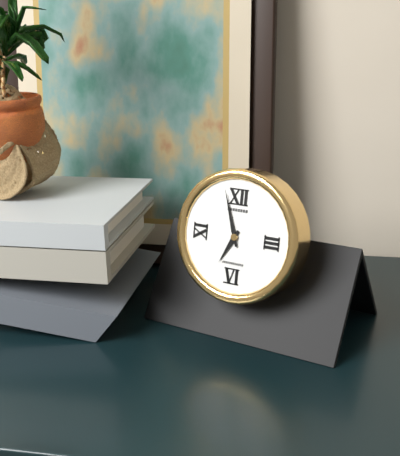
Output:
6.57
